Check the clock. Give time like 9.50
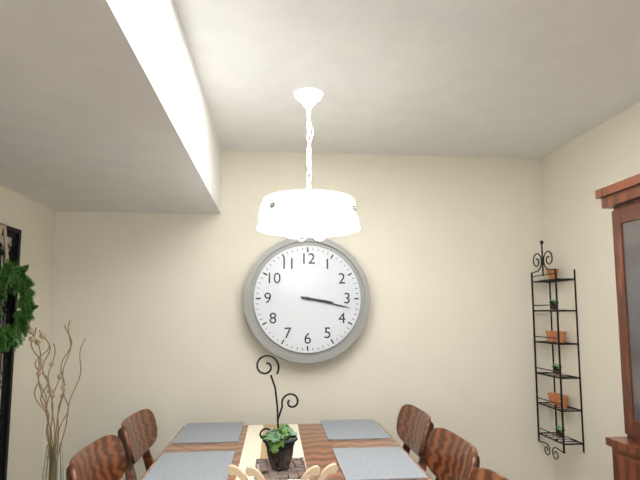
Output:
3.17
